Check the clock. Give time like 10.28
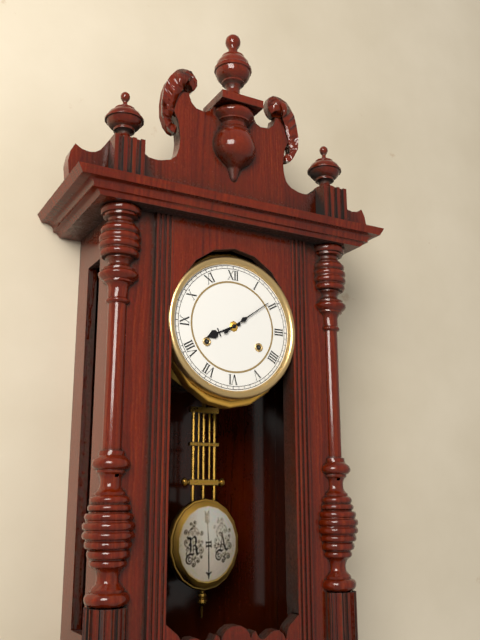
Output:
8.09
